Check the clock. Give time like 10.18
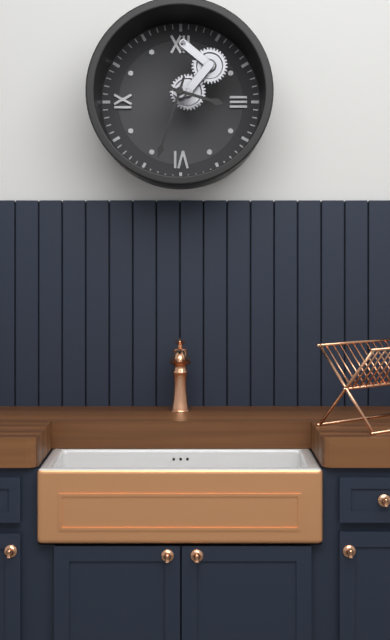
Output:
3.33
